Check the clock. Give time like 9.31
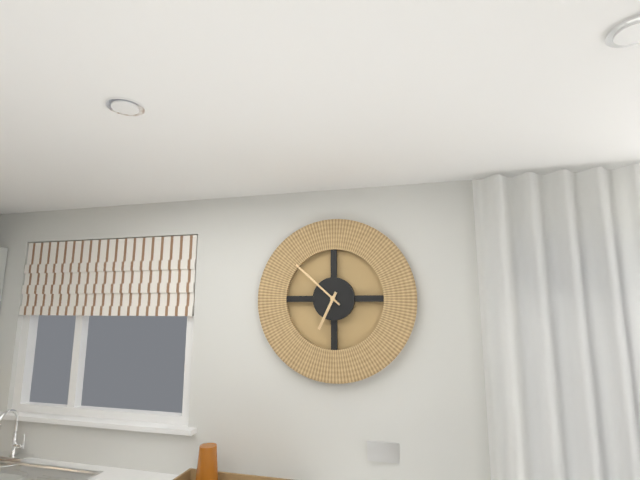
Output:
6.52
